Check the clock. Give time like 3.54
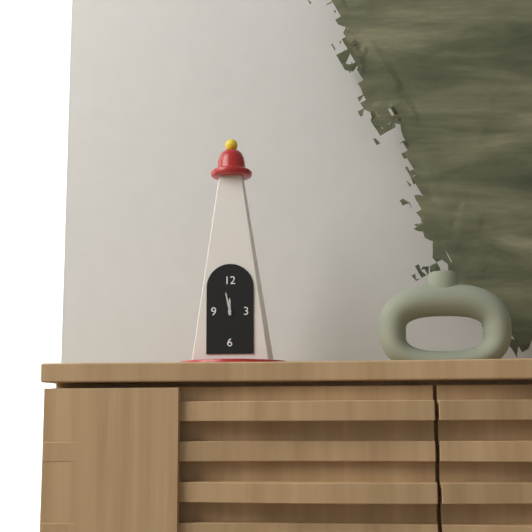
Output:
11.58
